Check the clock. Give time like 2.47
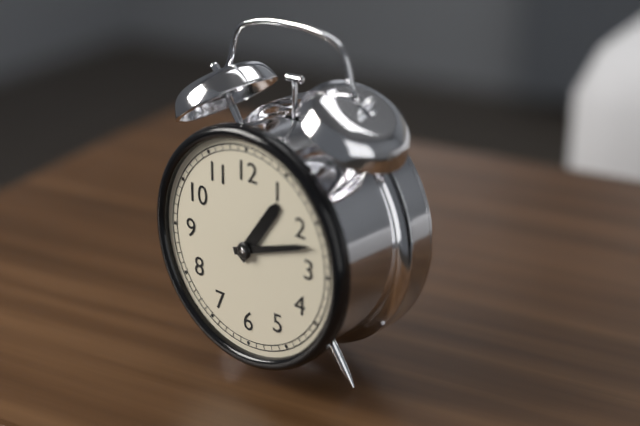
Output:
1.12
